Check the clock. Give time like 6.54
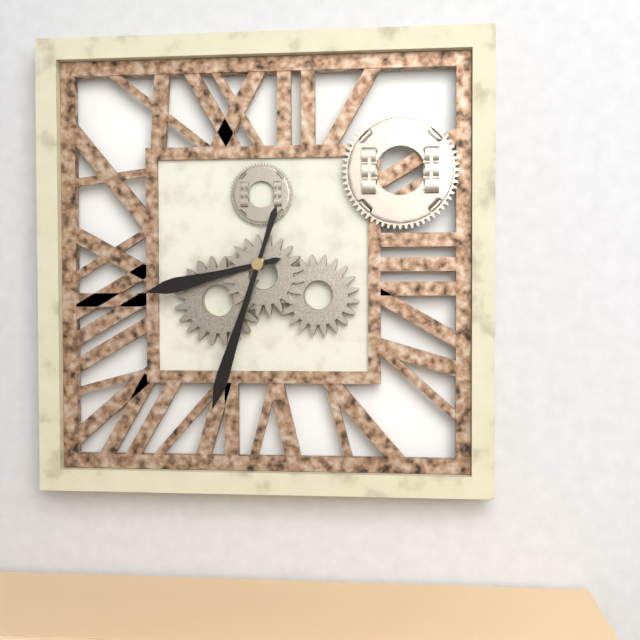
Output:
8.33
